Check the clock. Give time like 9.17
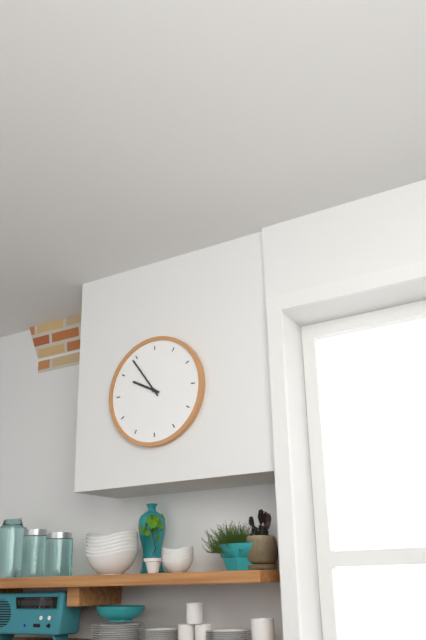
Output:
9.54
